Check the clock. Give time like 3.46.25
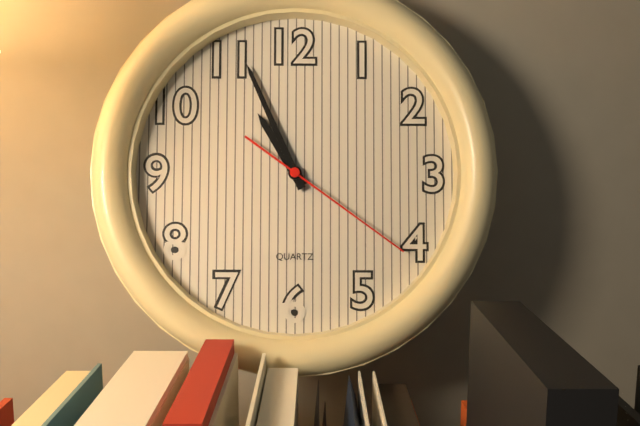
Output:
10.56.21
